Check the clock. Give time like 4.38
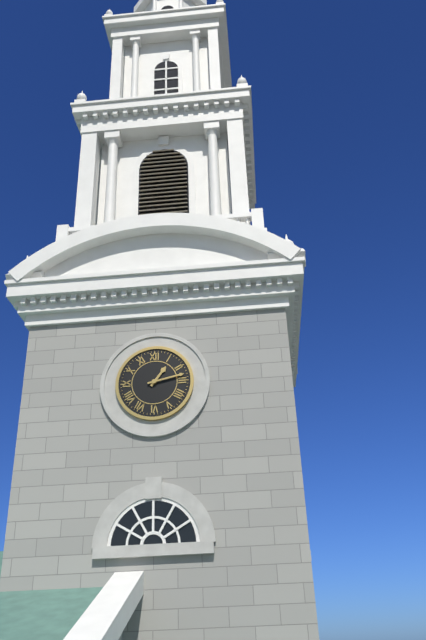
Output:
1.13
